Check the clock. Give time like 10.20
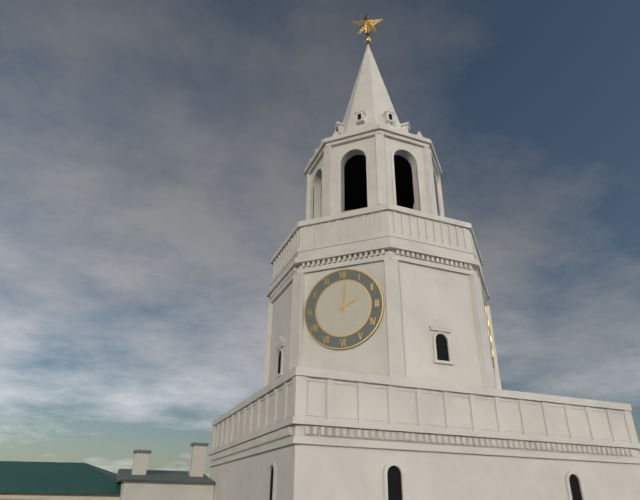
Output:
2.01
